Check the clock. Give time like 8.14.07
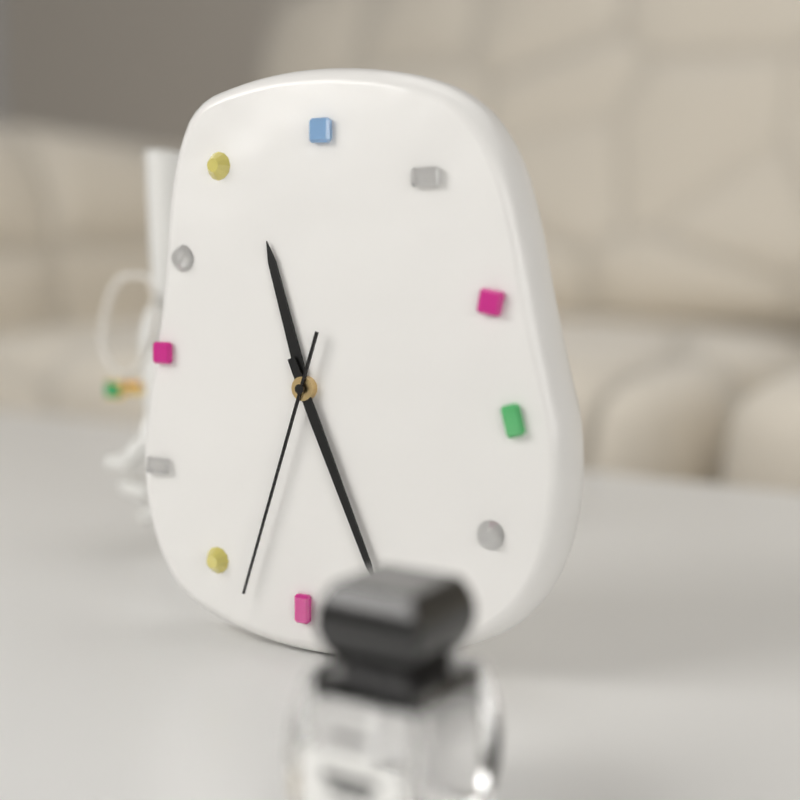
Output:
11.26.33
